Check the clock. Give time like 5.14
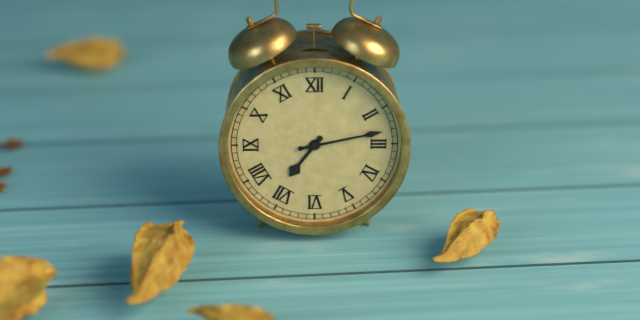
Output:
7.13
